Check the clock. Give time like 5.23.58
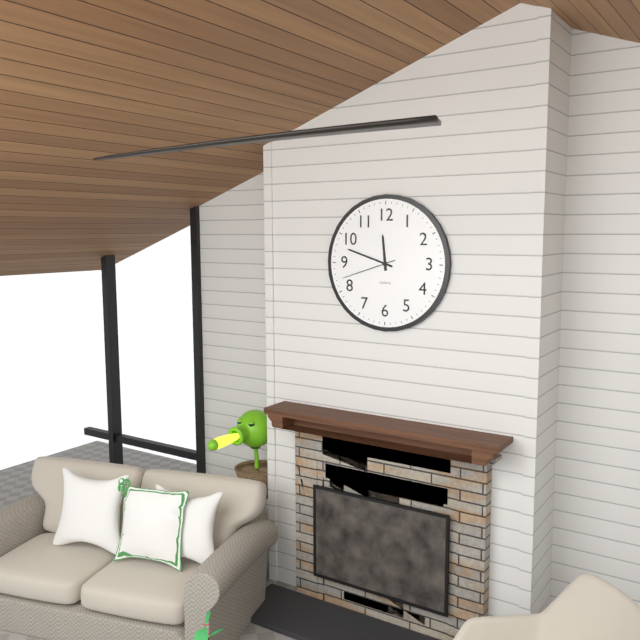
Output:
11.48.42
